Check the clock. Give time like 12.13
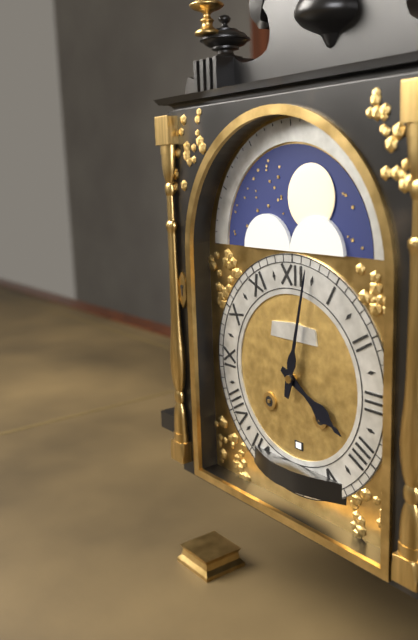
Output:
4.02
